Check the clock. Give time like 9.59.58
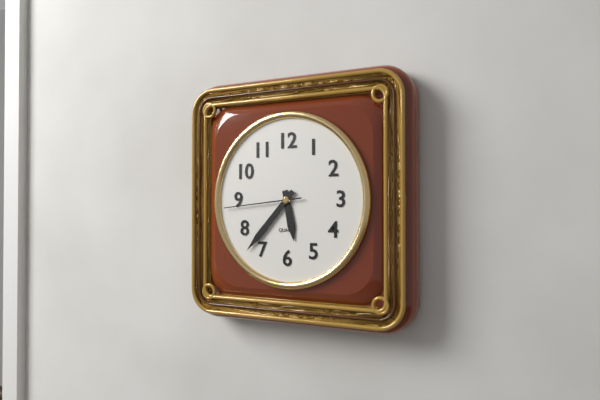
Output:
5.37.44
